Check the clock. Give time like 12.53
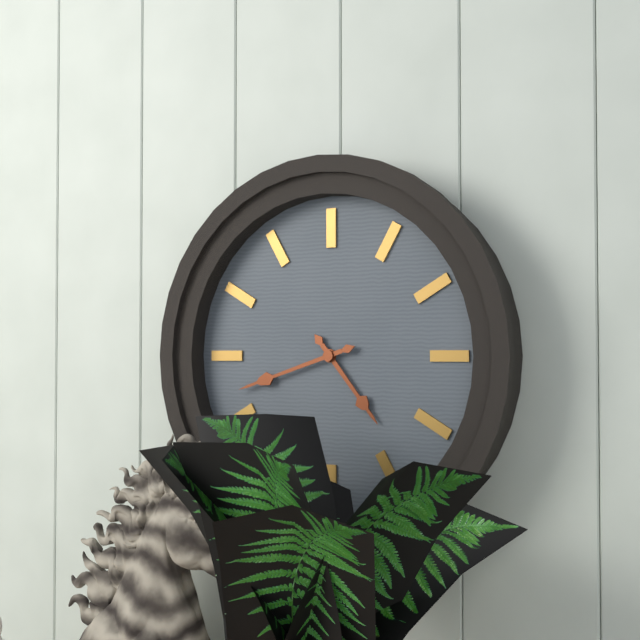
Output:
4.42
